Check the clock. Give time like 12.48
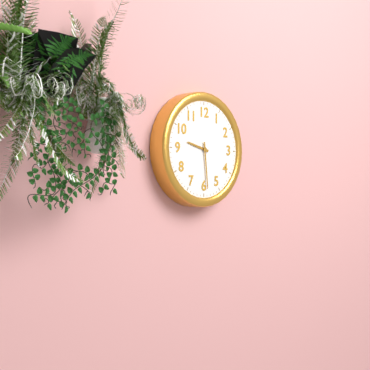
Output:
9.29
